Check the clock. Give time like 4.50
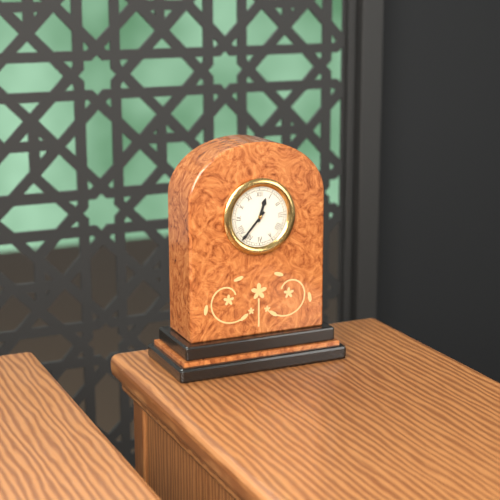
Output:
12.37
